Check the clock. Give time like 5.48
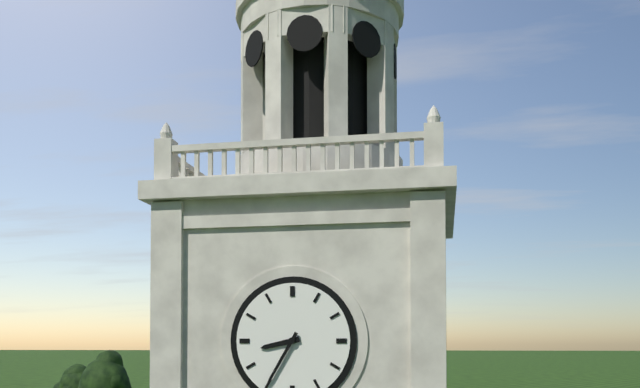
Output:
8.35
